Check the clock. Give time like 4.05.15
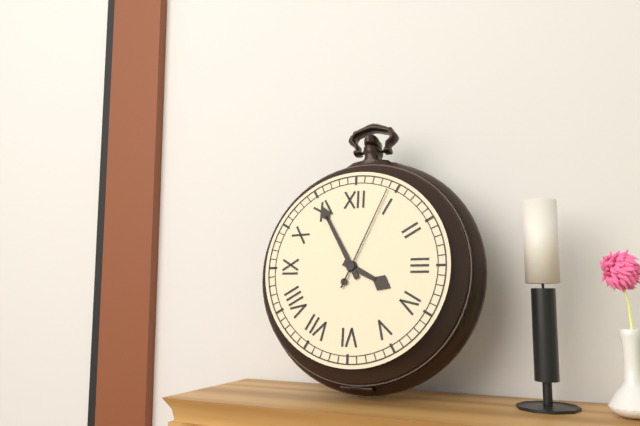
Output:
3.55.04
